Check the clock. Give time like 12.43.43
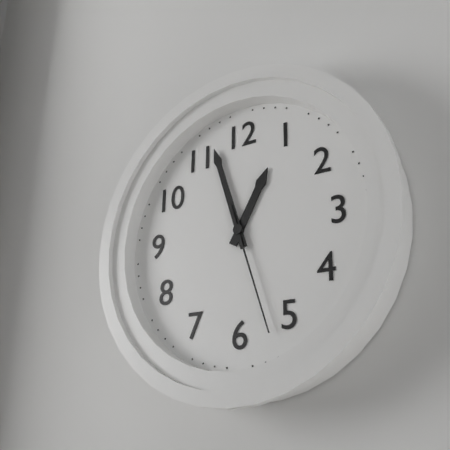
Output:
12.57.27
